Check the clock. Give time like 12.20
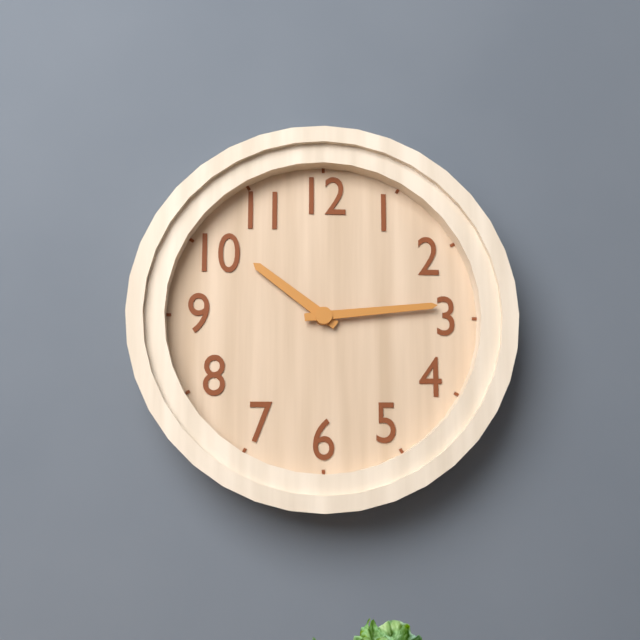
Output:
10.14
